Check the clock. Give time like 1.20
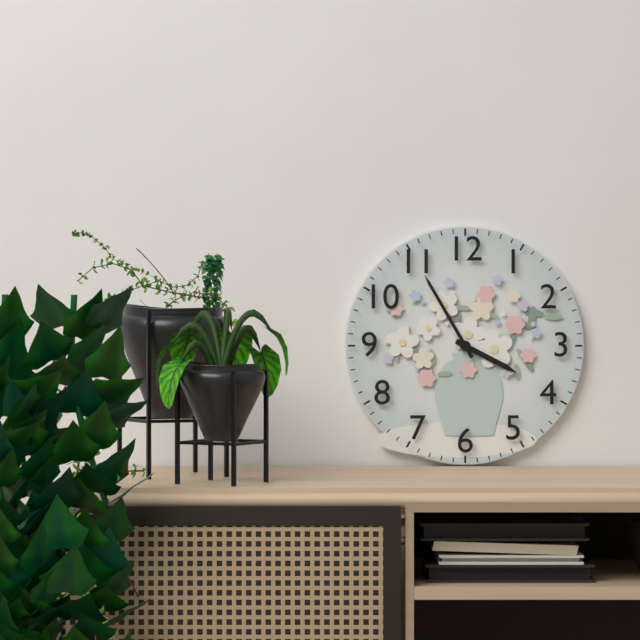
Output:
3.55
